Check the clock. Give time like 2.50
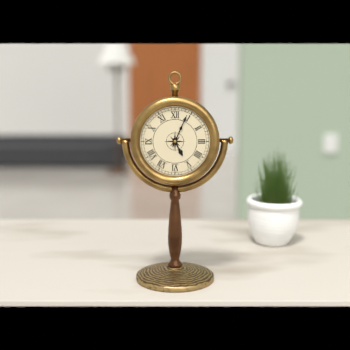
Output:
5.04
